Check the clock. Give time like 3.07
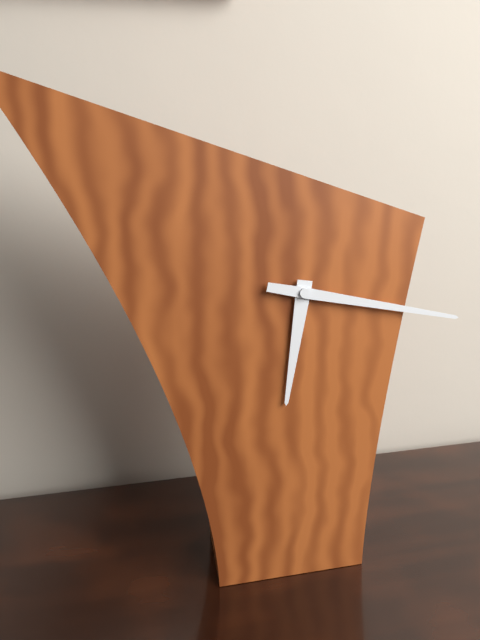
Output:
6.17
